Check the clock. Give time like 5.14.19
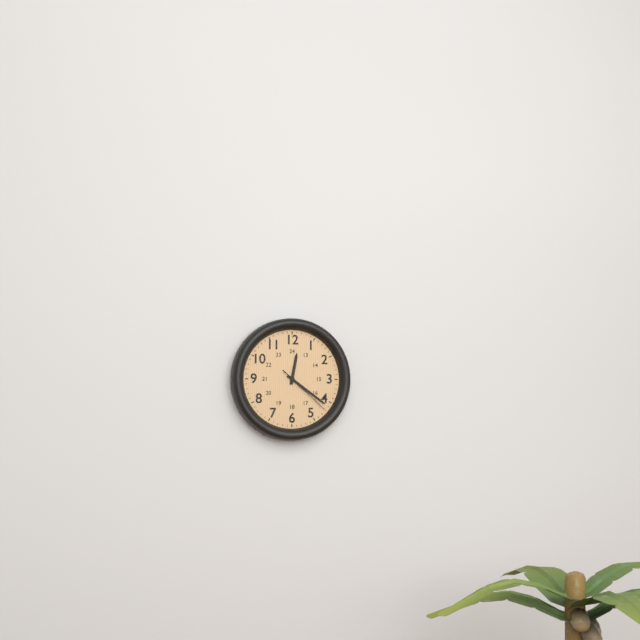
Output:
12.21.22
